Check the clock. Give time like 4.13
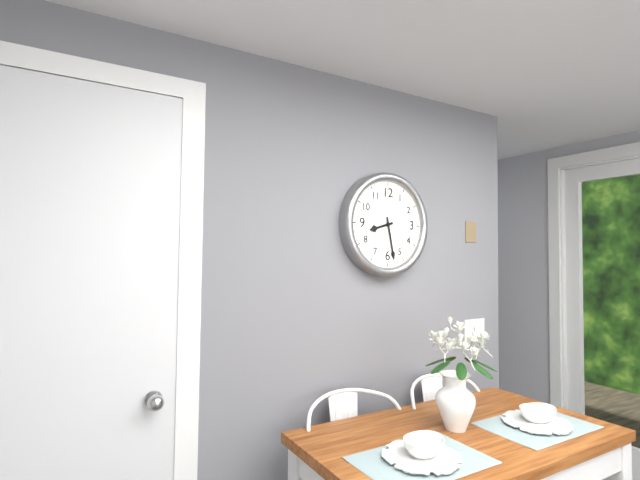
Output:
8.28
